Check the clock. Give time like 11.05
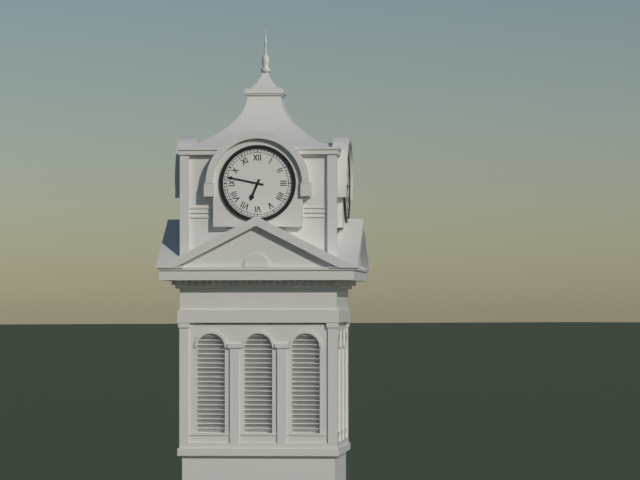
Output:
6.47
